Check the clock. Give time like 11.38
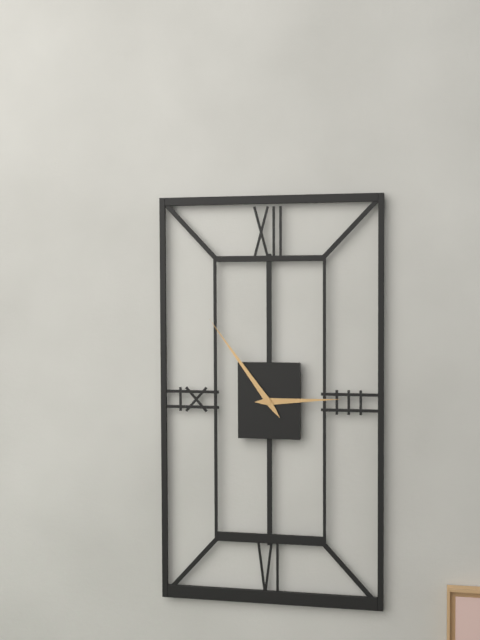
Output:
2.54
